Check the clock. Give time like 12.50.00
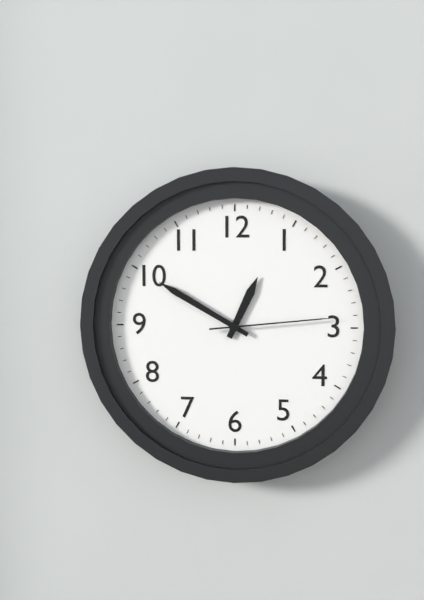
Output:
12.50.14
